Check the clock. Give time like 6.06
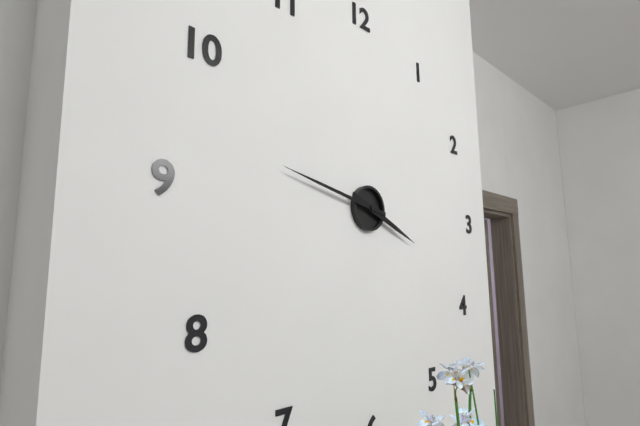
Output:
3.47
